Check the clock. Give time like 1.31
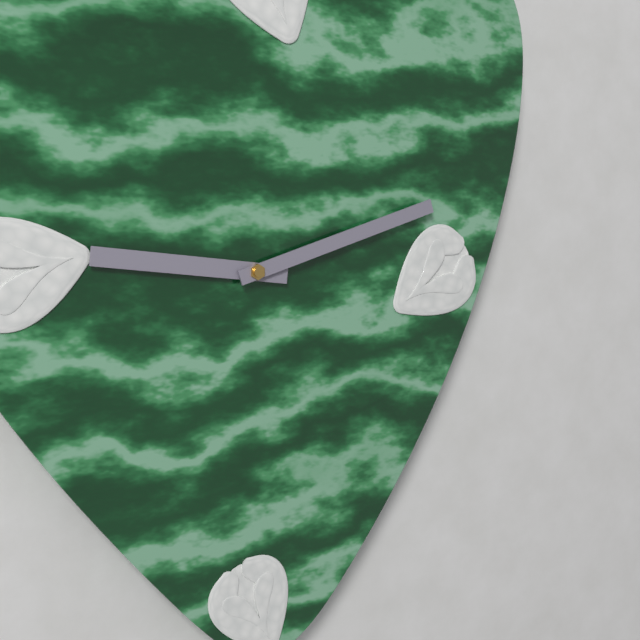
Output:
9.12
